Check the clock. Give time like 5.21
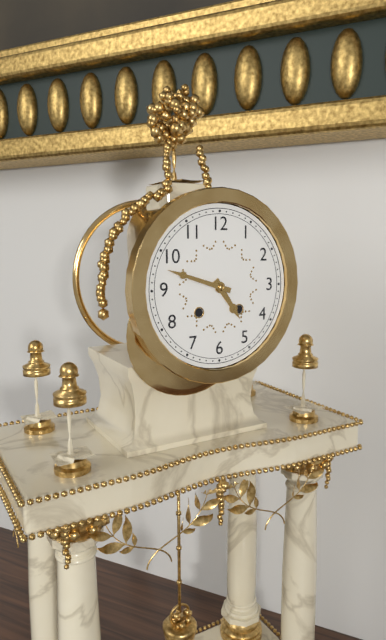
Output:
4.48
